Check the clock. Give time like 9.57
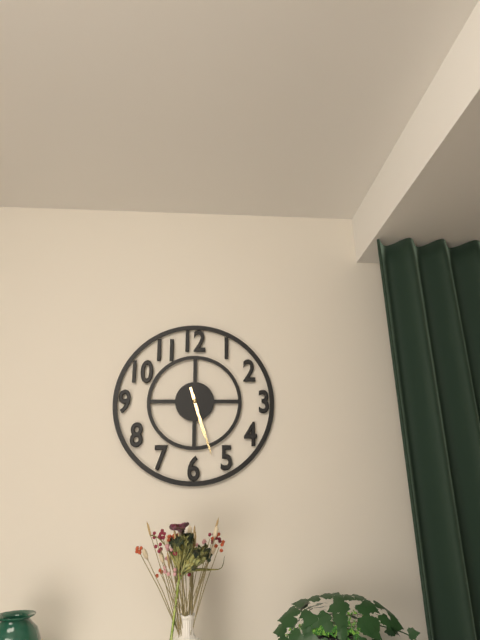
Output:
5.27
